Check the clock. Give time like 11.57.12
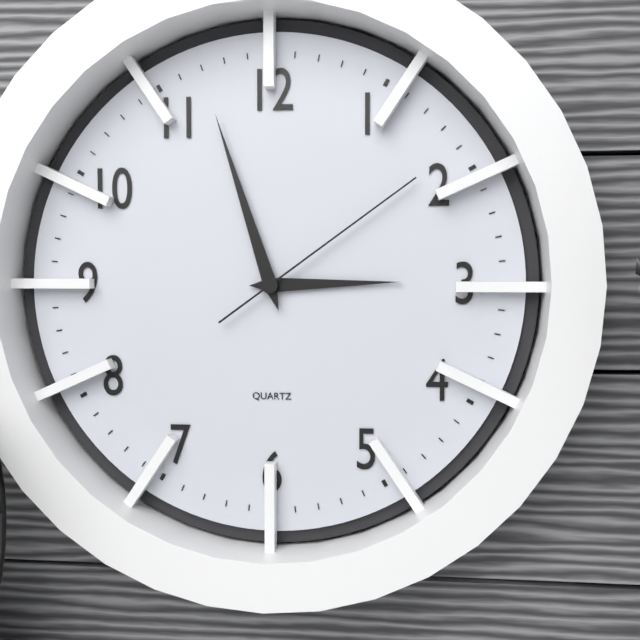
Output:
2.57.09
